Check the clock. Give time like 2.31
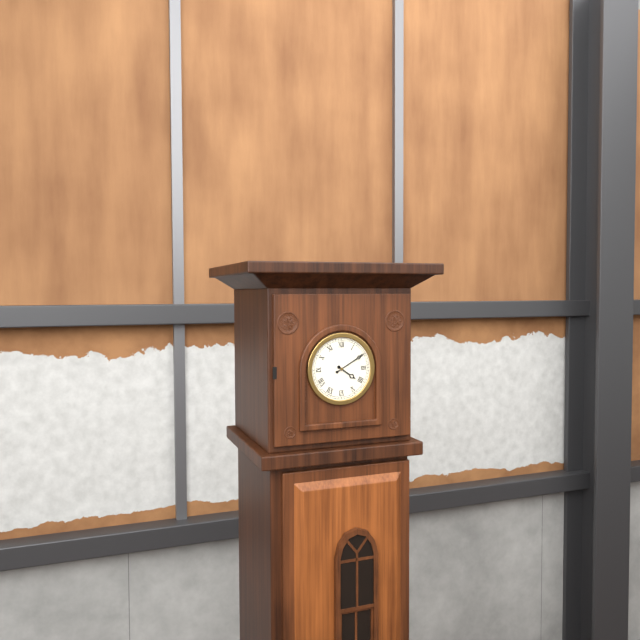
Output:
4.10
